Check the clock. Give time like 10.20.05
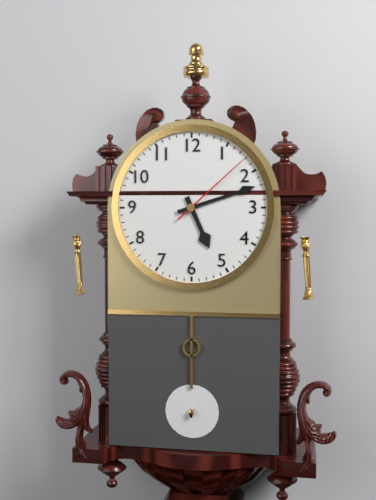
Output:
5.12.08
